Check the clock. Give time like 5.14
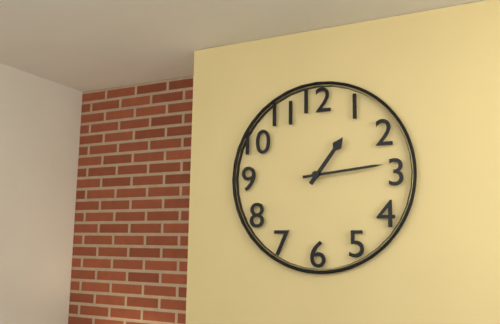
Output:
1.14
